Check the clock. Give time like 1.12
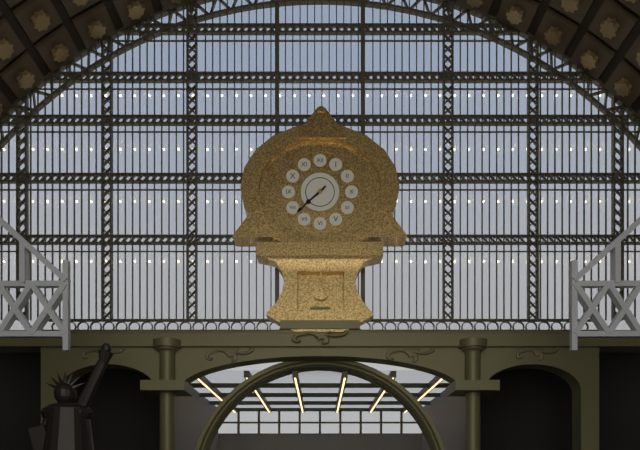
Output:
7.38
